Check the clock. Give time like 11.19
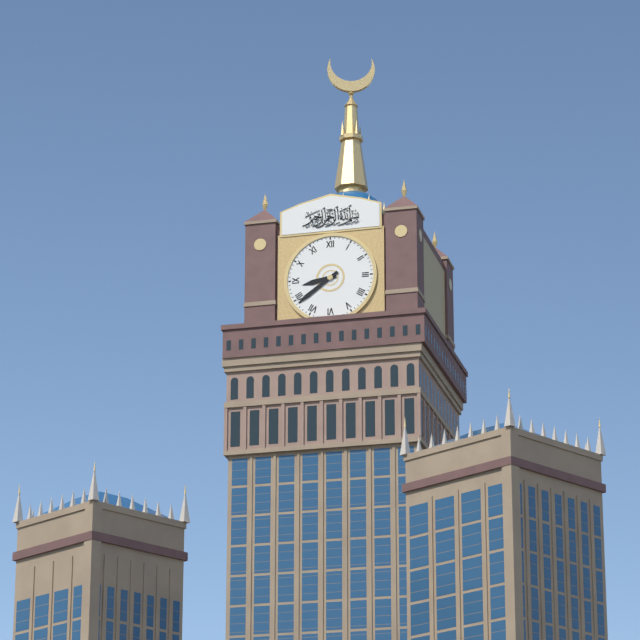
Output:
8.39
